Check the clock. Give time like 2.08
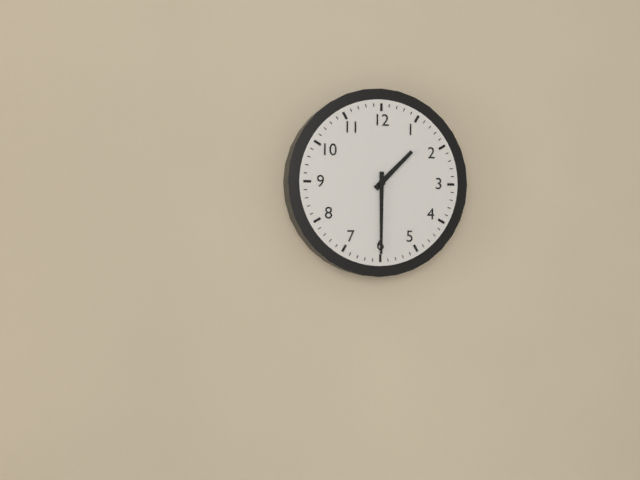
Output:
1.30
